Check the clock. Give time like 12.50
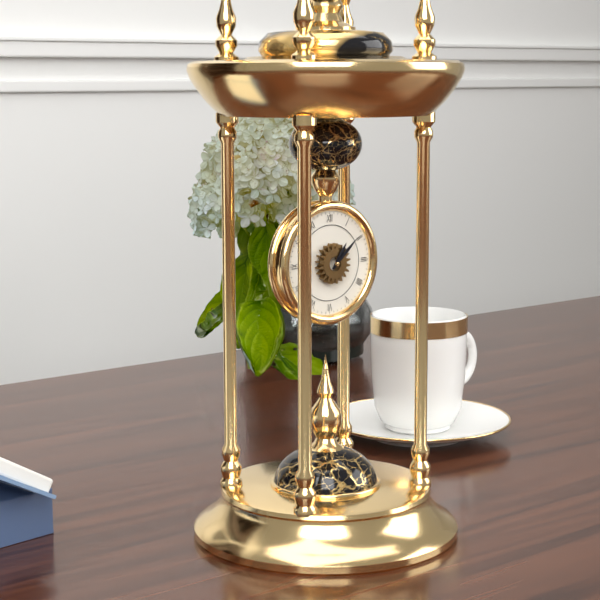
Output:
1.08
